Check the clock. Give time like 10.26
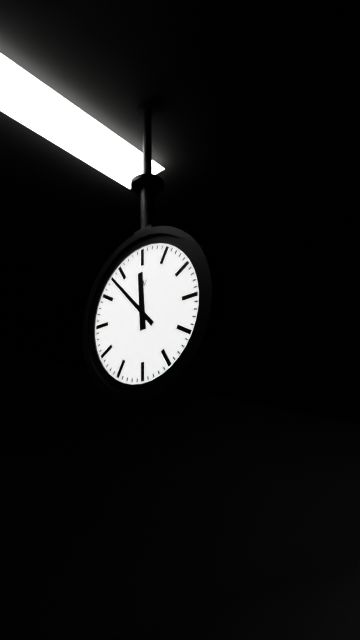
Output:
11.53
